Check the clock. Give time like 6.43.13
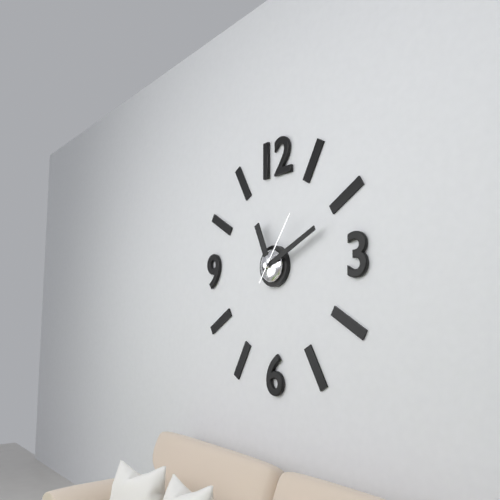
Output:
11.11.06
